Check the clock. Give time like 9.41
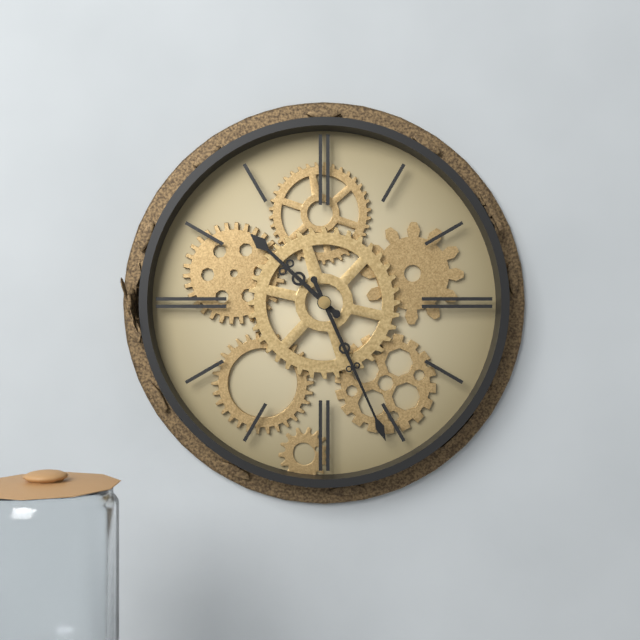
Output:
10.26
